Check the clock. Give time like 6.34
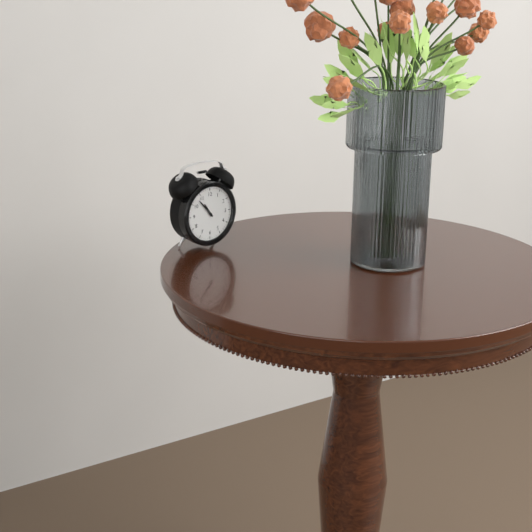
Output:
10.53
